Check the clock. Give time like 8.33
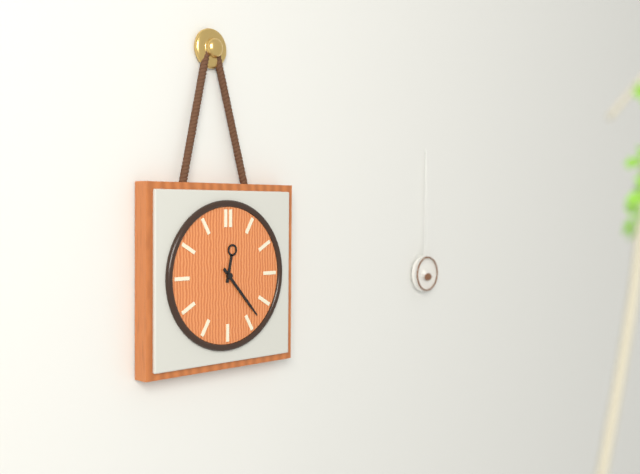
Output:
12.23
